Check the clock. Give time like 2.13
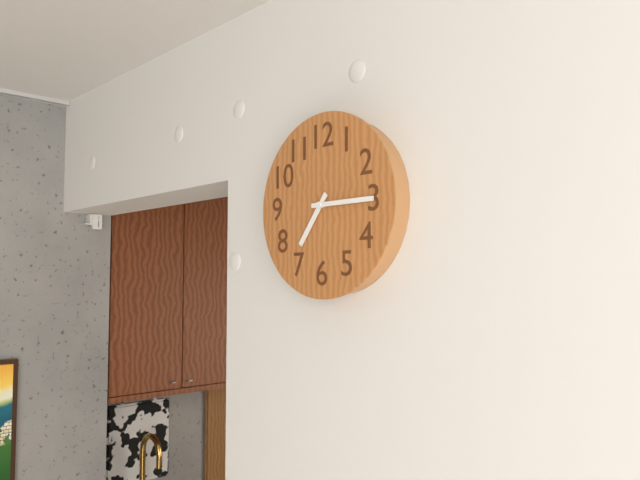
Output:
7.15
